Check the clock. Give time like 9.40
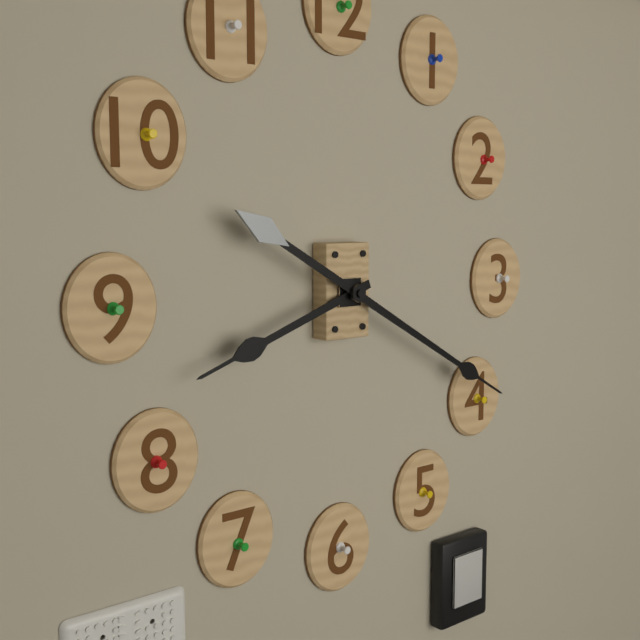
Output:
8.20
